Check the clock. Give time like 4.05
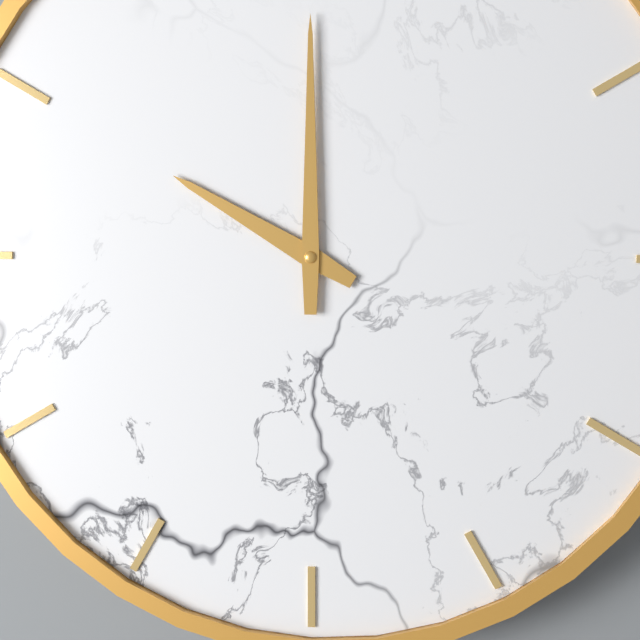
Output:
10.00
